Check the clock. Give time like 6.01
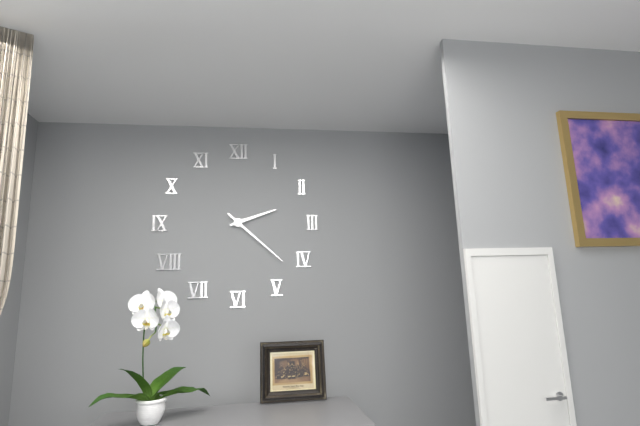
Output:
2.22
